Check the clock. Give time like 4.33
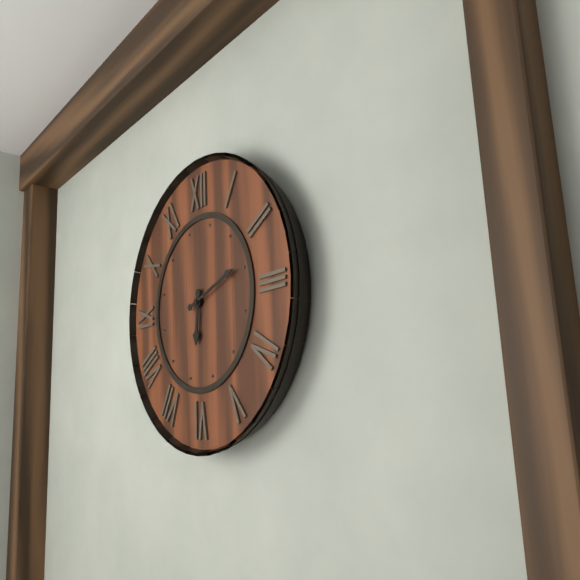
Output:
6.12
